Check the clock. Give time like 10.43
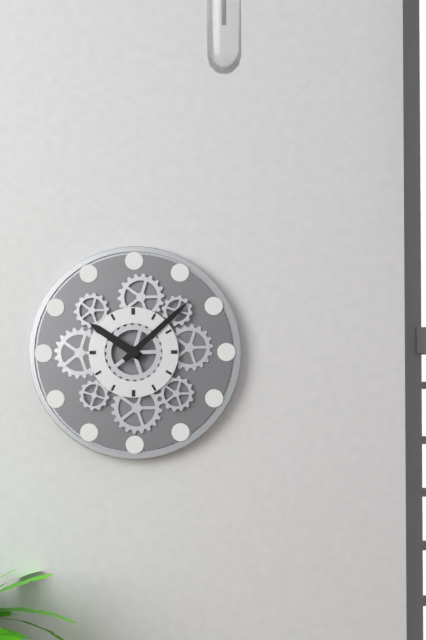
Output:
10.08
